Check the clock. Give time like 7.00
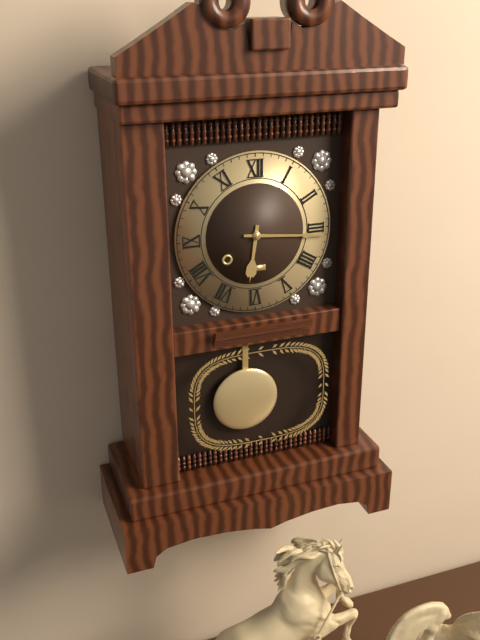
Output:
6.16
